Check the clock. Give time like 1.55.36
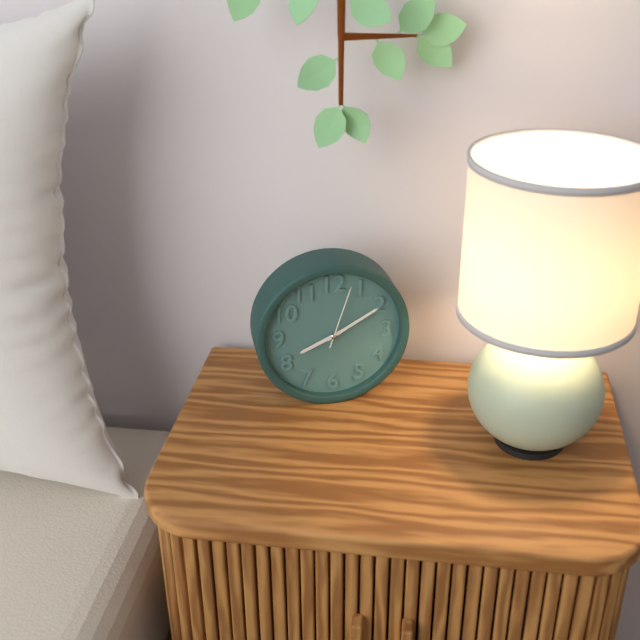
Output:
8.10.03
